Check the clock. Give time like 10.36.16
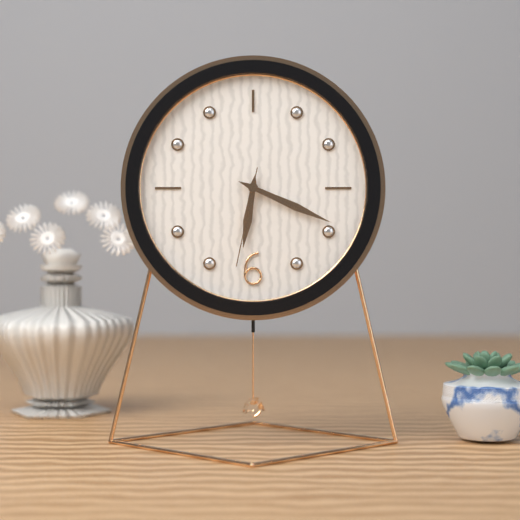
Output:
6.19.32
